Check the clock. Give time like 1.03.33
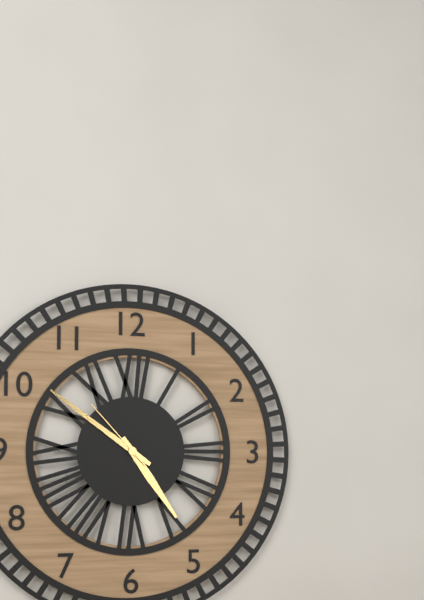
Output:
4.51.53
